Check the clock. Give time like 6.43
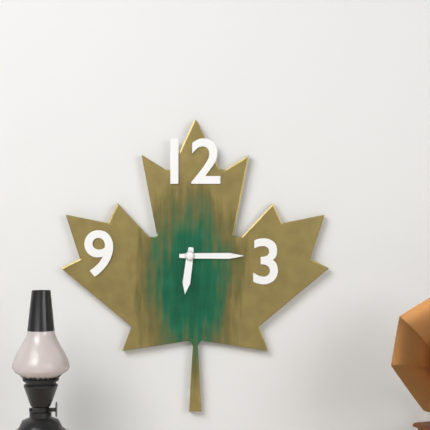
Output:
6.15
